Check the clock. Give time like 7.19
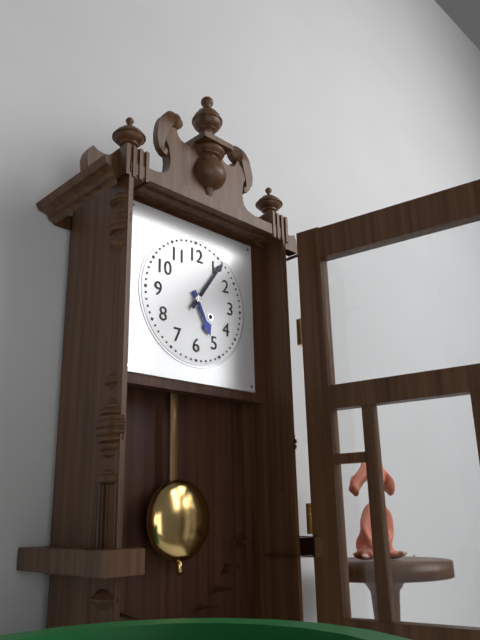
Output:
5.06
